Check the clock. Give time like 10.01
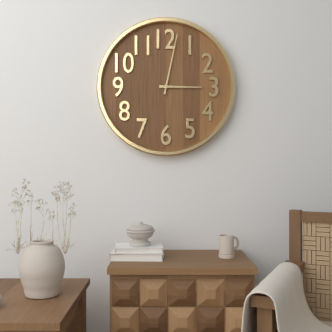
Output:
3.02
